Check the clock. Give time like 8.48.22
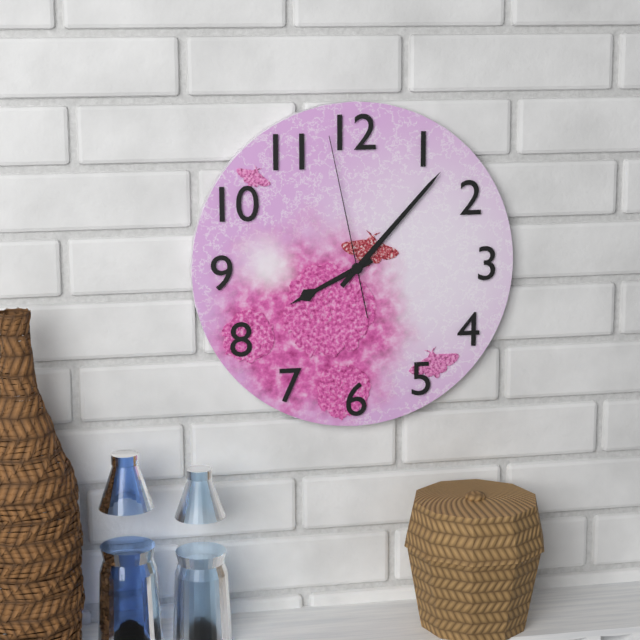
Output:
8.07.58
